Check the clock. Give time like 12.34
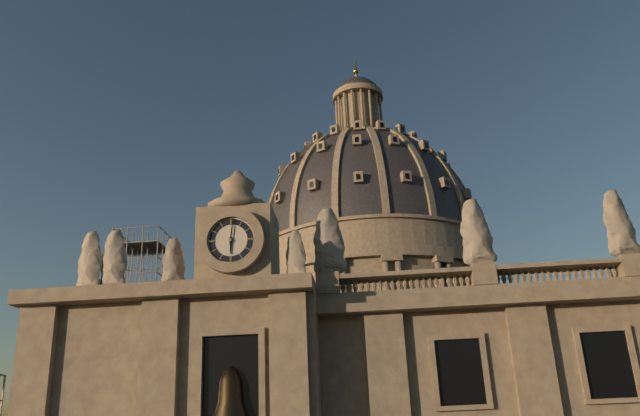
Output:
6.01
